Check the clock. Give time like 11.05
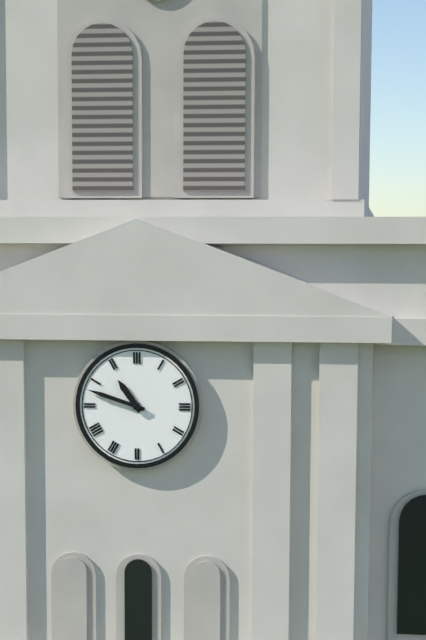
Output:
10.48
